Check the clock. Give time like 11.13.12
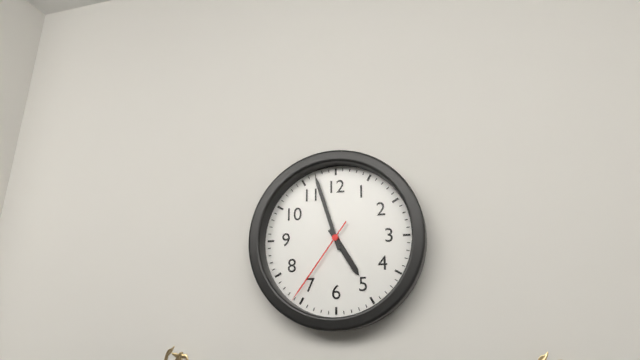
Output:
4.57.36
